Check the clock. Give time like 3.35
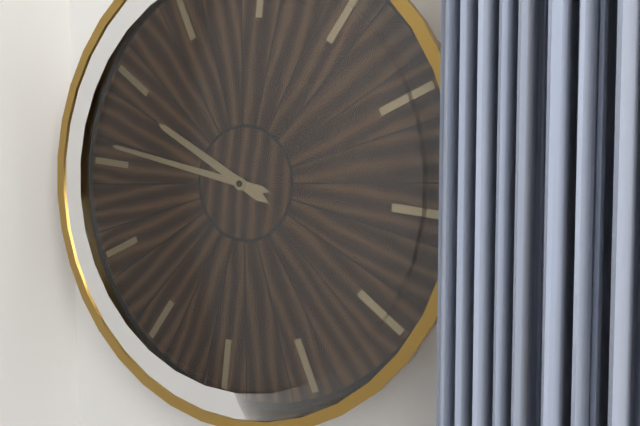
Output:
9.46
